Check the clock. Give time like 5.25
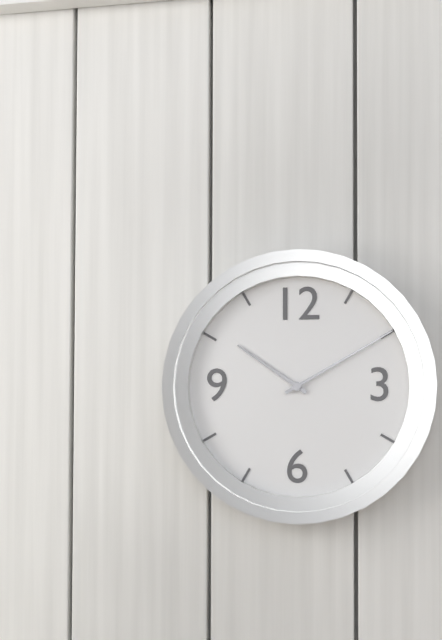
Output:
10.10
